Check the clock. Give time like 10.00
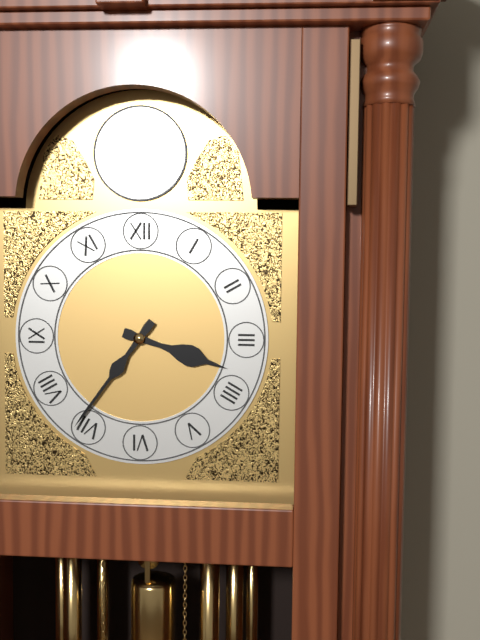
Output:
3.36
